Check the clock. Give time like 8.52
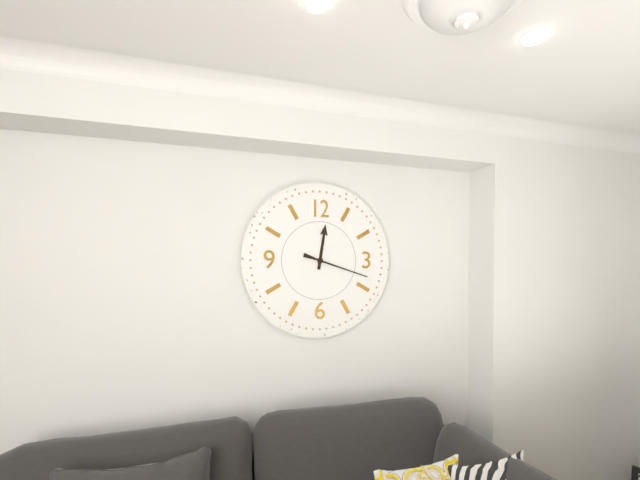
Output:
12.18
